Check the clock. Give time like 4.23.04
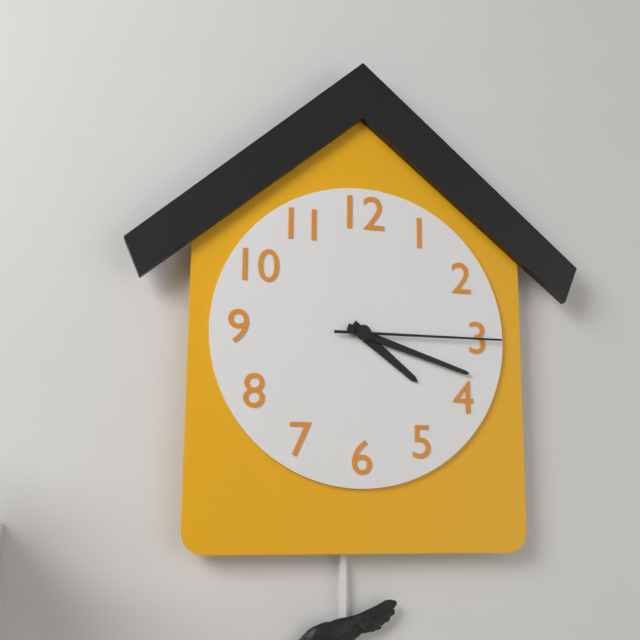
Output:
4.18.15
